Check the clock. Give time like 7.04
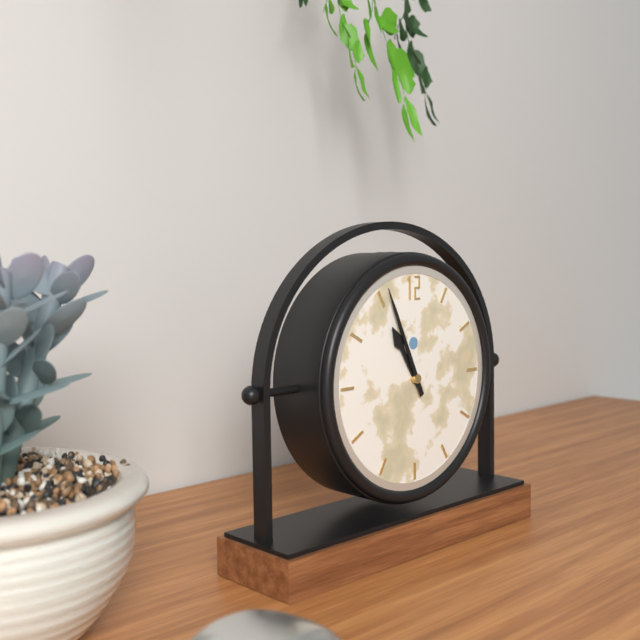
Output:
10.56
